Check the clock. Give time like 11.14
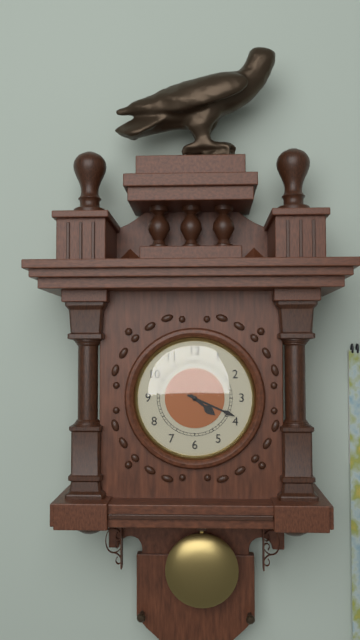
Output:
4.19
